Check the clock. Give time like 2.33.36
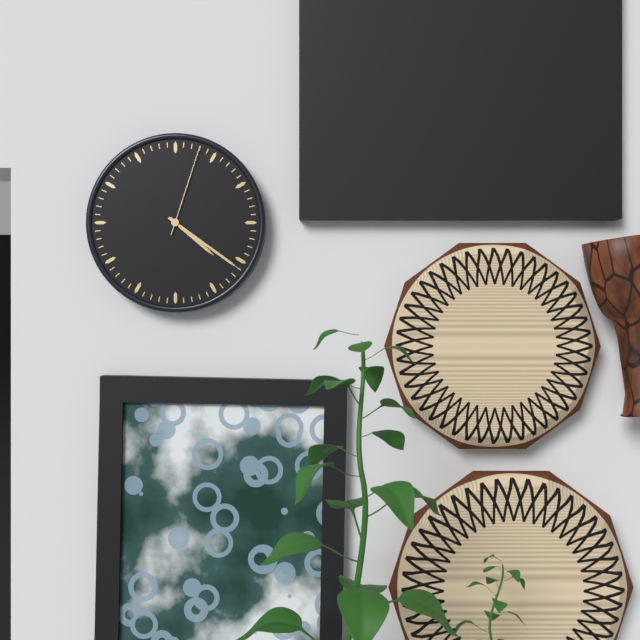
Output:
4.21.03
